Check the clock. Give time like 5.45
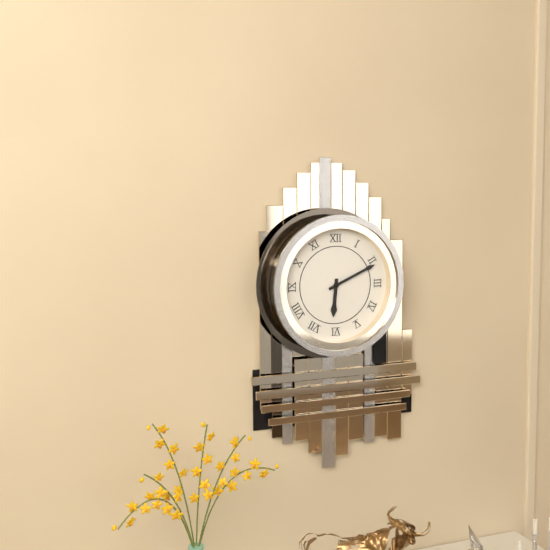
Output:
6.11
